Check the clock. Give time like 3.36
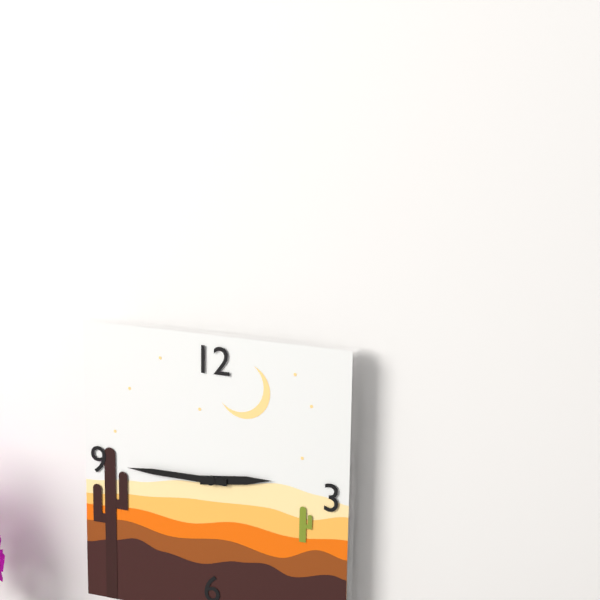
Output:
2.45
